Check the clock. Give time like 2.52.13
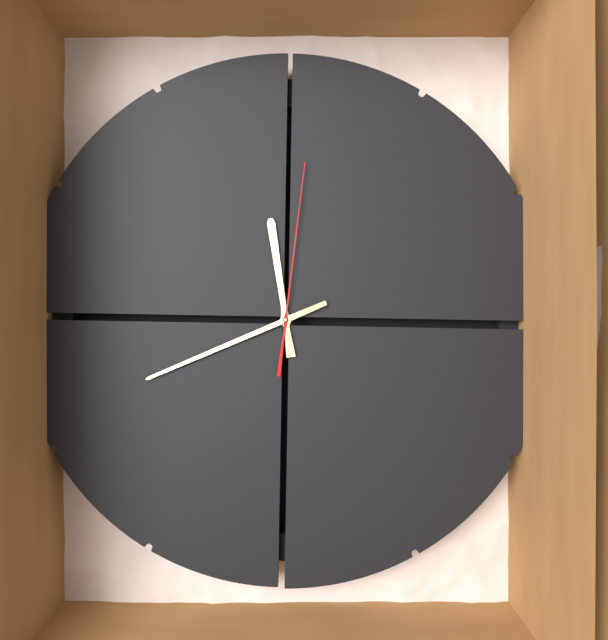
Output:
11.41.01
